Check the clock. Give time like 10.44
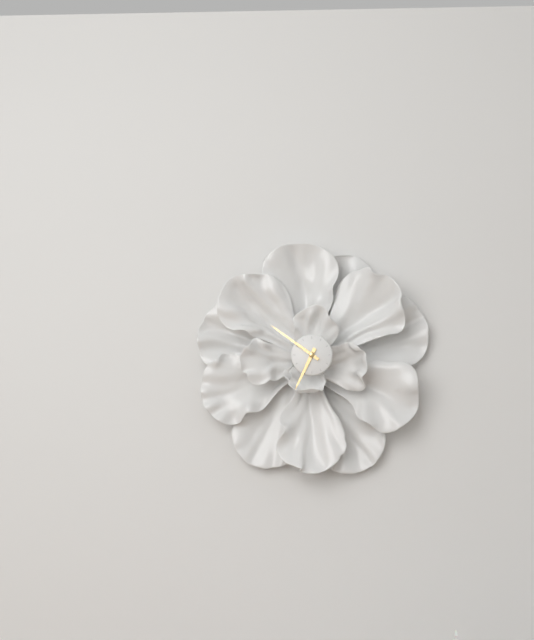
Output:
6.51
